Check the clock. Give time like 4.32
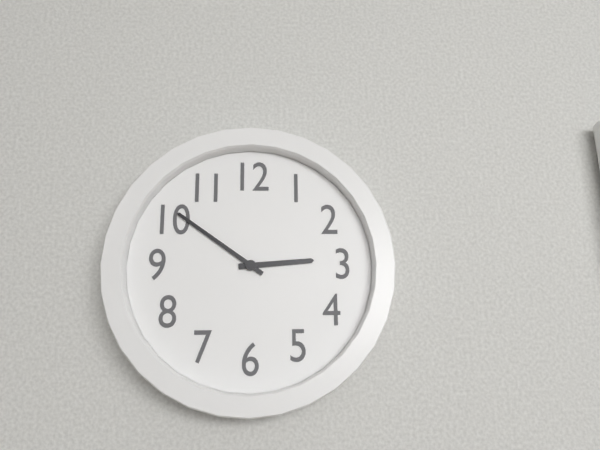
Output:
2.51
